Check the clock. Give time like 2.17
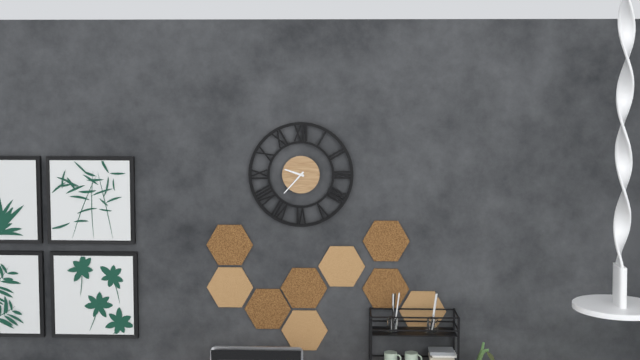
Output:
9.37
